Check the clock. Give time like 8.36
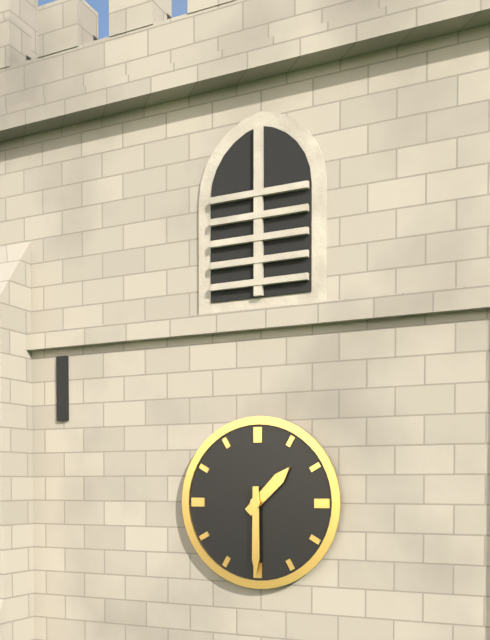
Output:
1.30
